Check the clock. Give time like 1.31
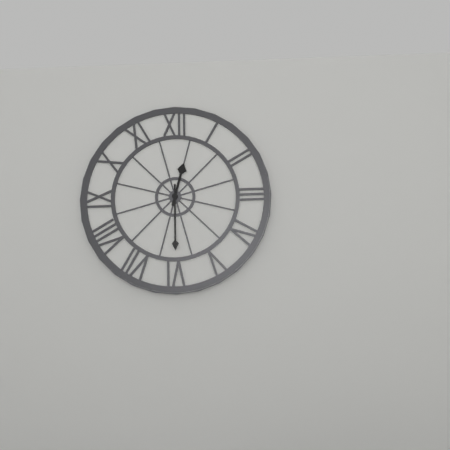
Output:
12.30
